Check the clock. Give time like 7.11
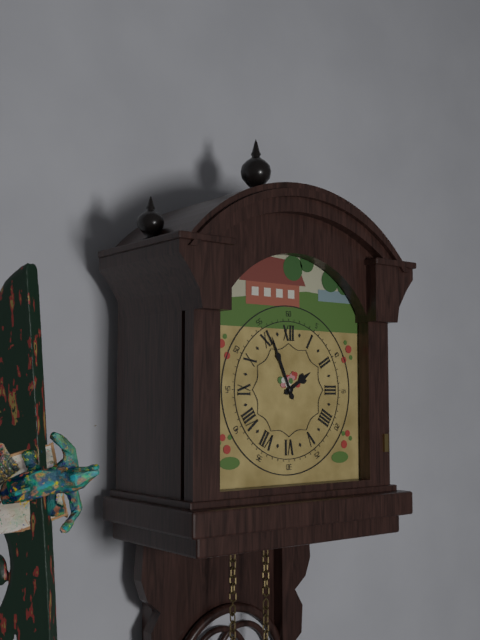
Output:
1.56
